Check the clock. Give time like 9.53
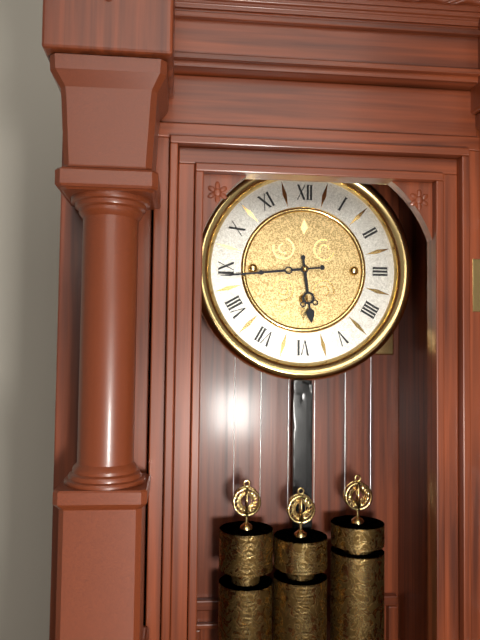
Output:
5.44
